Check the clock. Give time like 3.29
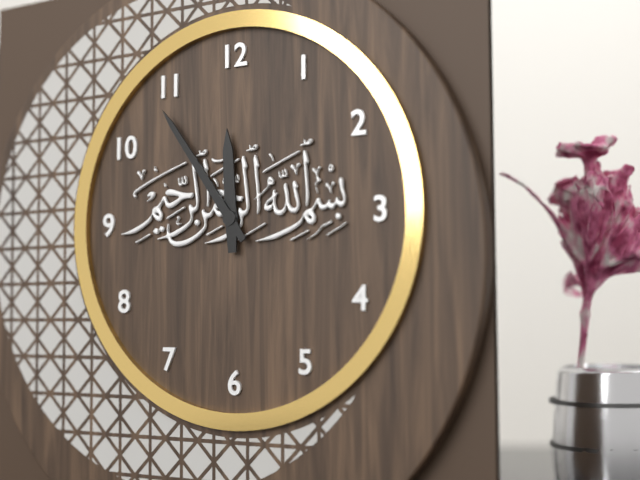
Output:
11.54
